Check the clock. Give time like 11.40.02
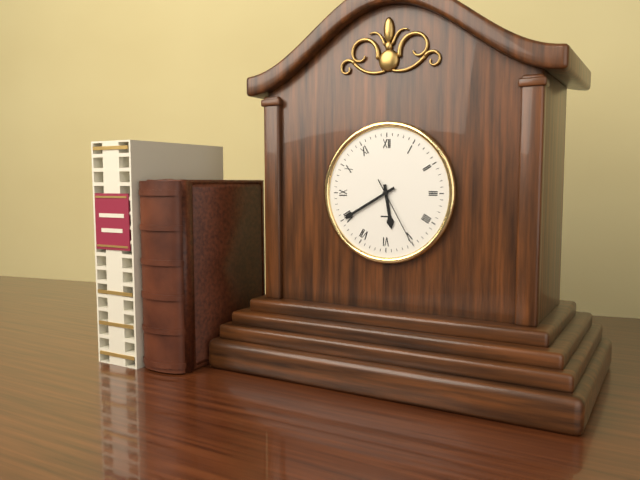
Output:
5.40.25
